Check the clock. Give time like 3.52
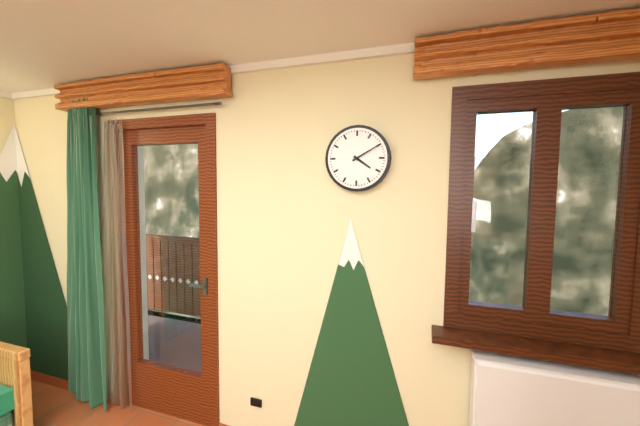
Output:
4.10
